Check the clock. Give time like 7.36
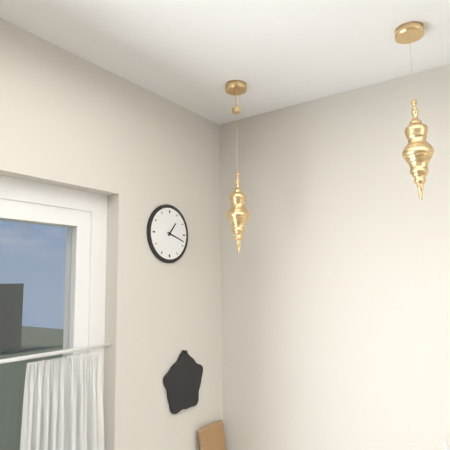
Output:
1.18
